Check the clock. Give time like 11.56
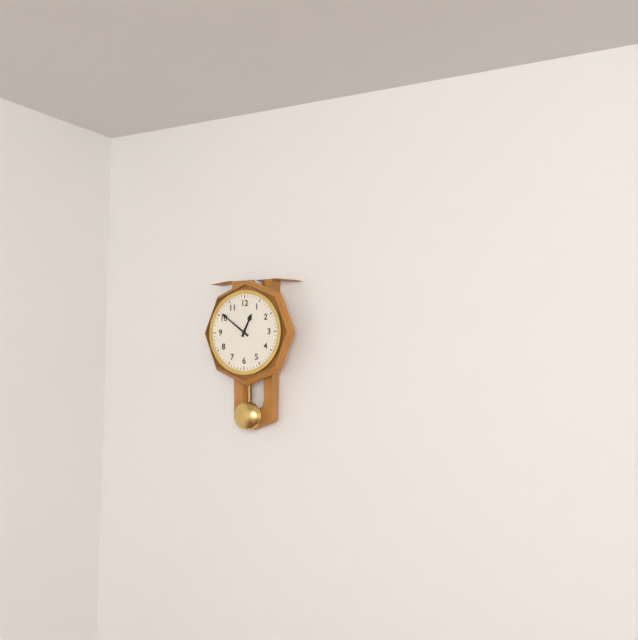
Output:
12.51
